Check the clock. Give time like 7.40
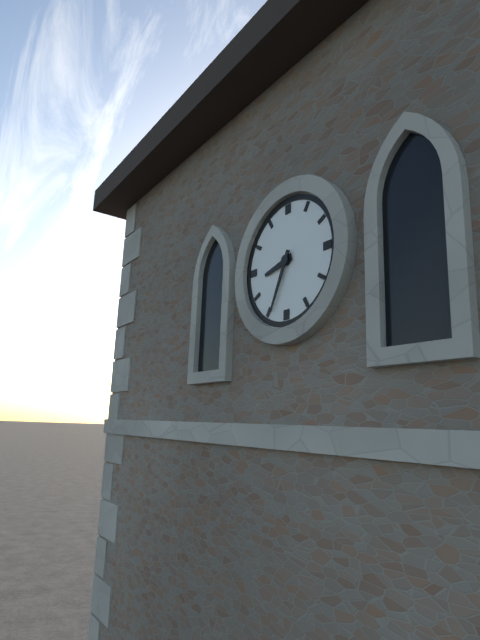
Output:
8.34
